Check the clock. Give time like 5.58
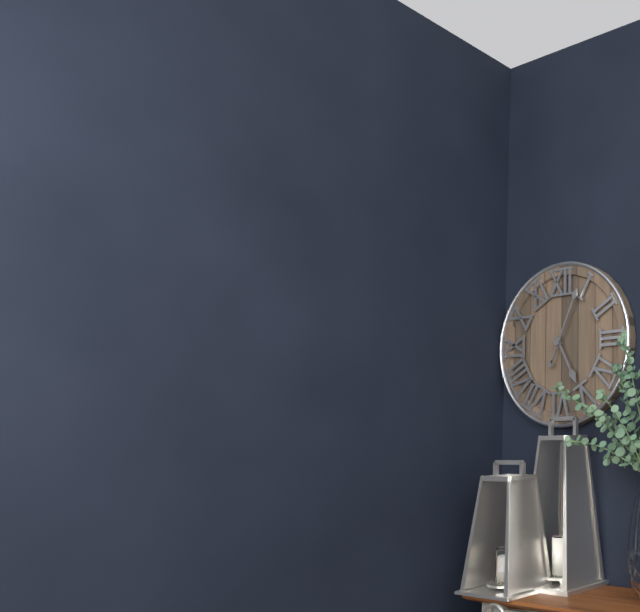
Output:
5.04
